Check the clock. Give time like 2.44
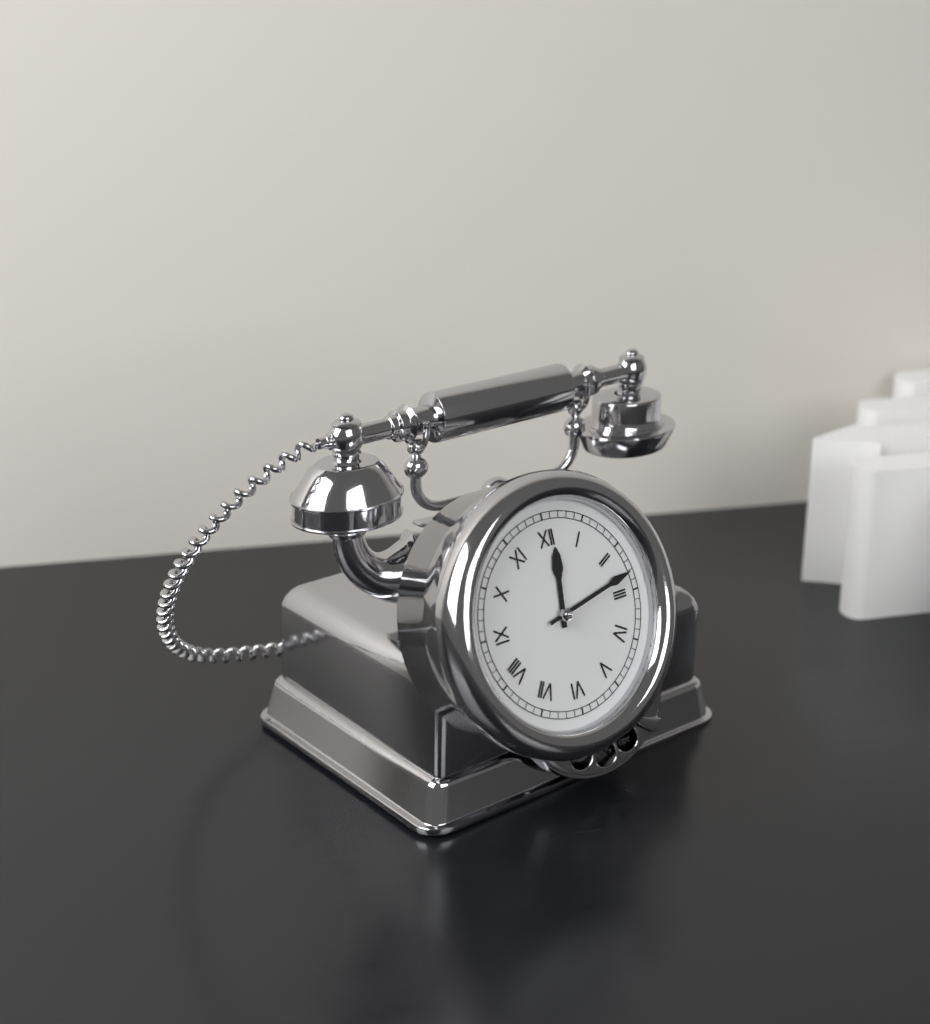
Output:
12.13
